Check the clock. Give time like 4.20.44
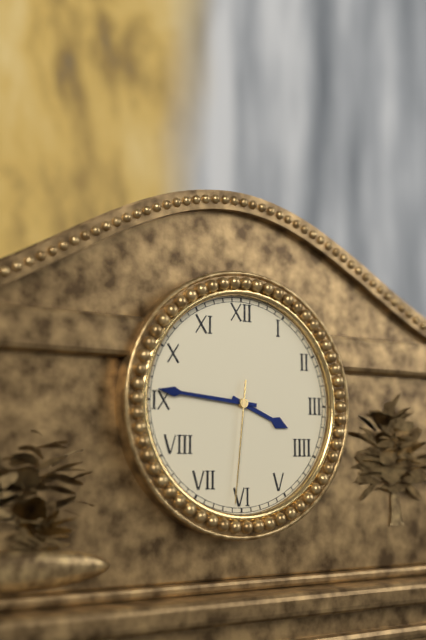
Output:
3.46.31
